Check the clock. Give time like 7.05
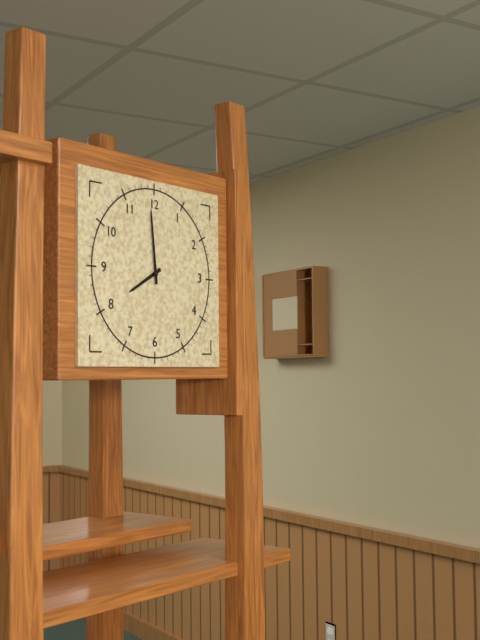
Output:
7.59
